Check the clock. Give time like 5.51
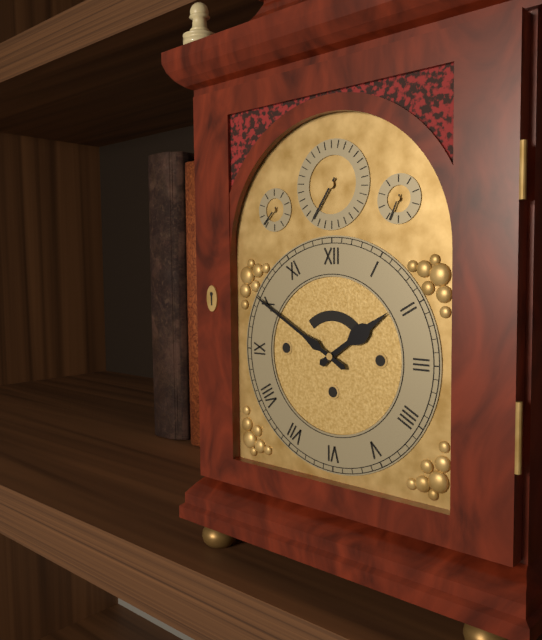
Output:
1.50
